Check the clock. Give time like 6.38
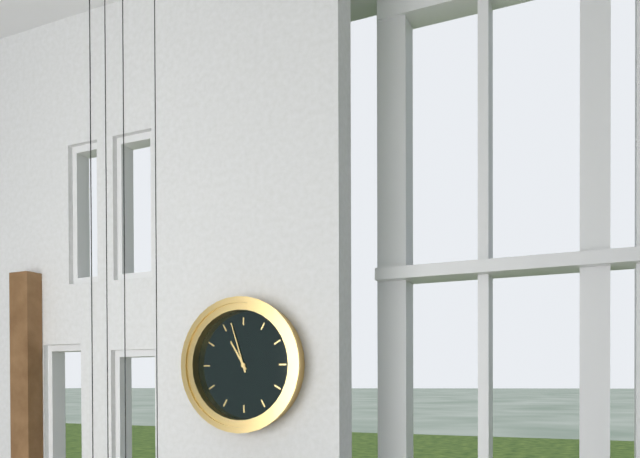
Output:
10.57
